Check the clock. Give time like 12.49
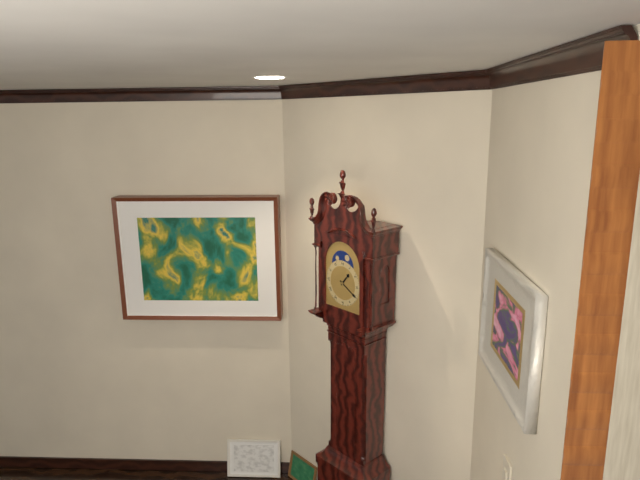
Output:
1.20
